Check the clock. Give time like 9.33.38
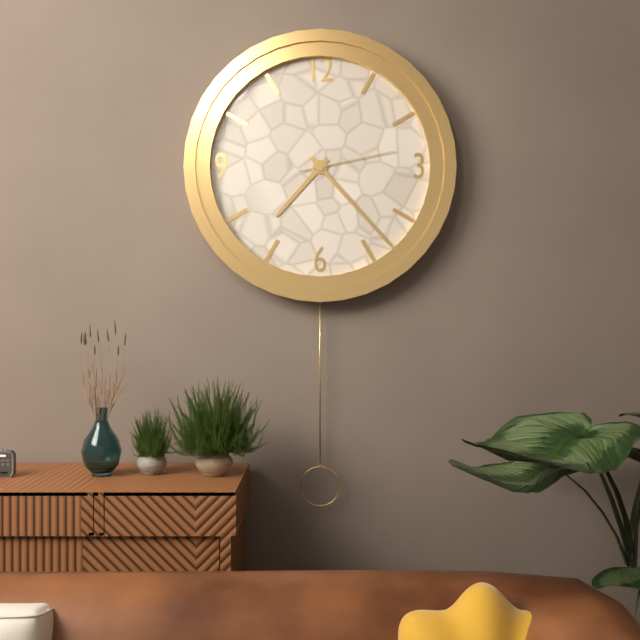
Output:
7.23.13
